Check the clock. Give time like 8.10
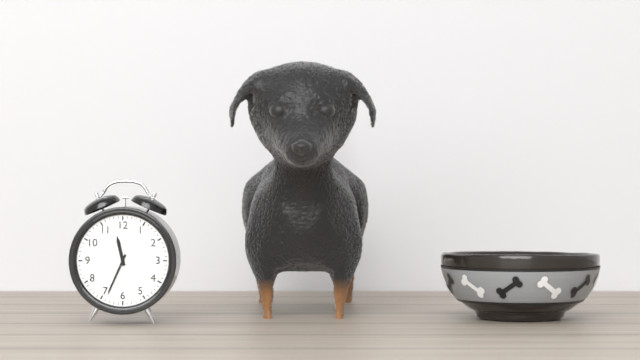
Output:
11.34
